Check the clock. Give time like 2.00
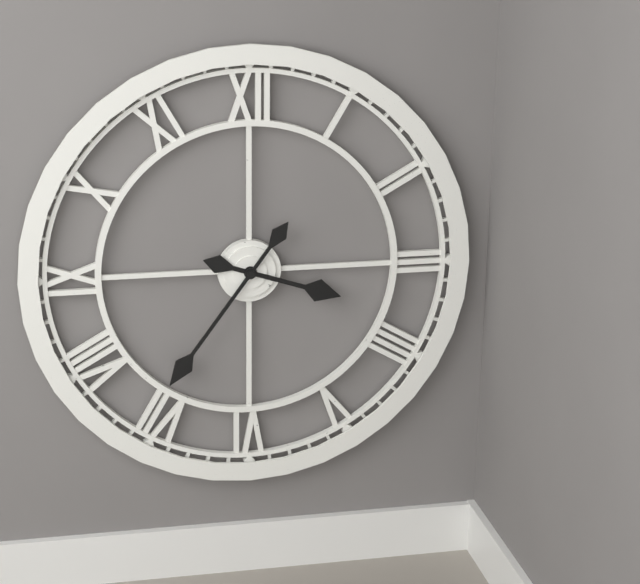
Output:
3.36
